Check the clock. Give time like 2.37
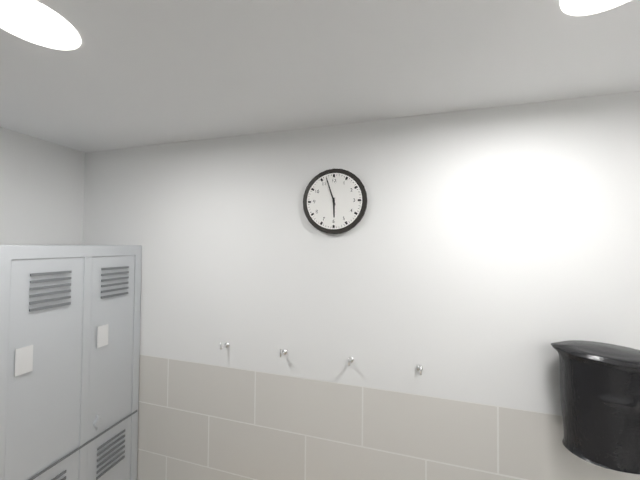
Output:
5.57
